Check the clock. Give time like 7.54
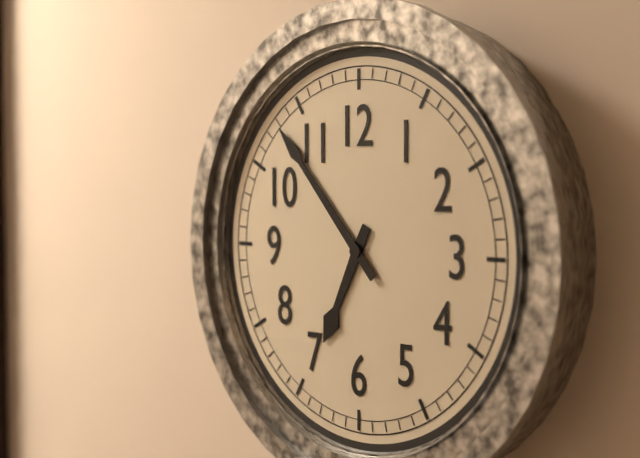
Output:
6.53
